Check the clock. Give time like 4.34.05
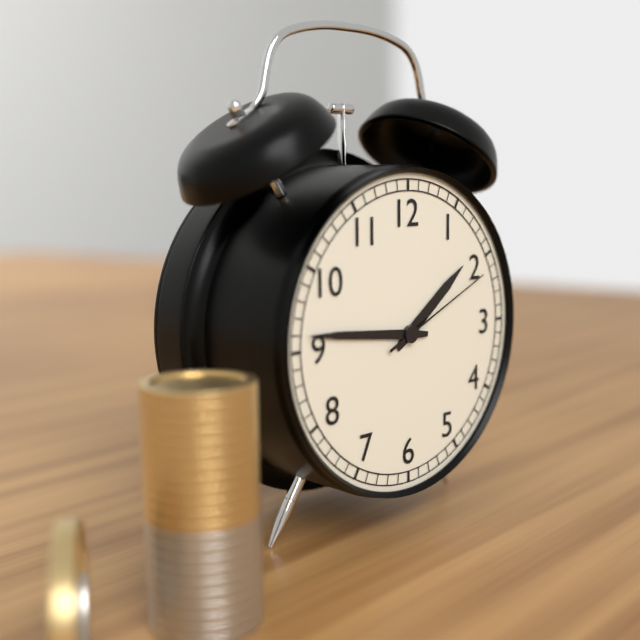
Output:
1.46.11
